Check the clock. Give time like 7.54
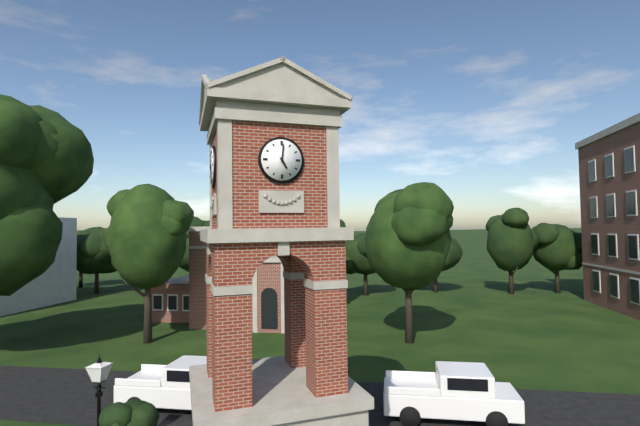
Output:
5.01
